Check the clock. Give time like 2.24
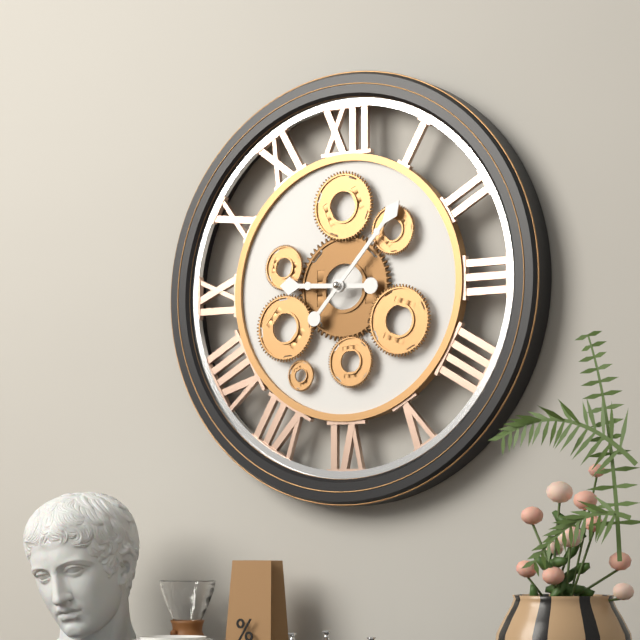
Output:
9.07
